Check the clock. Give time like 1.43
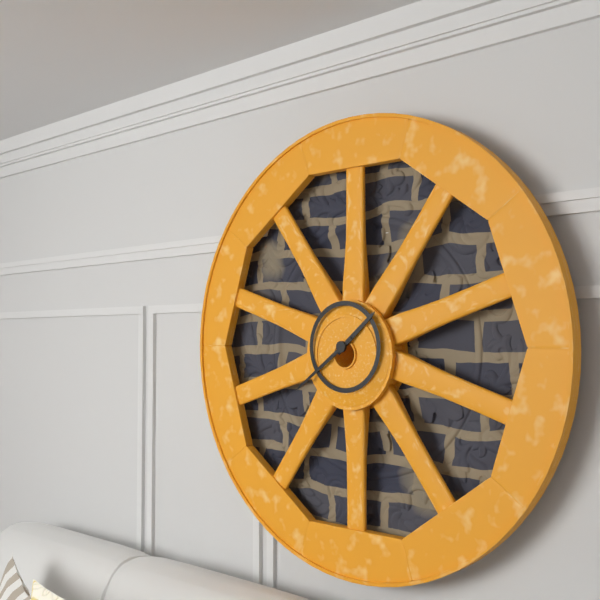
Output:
1.39
